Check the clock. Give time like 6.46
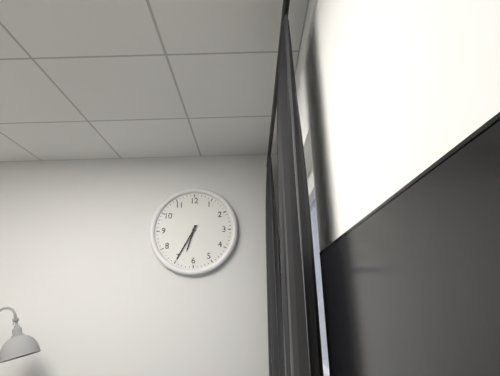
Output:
6.35
